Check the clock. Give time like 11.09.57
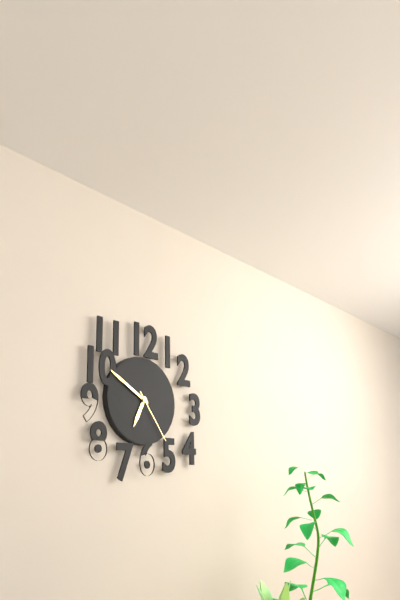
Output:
6.50.24
